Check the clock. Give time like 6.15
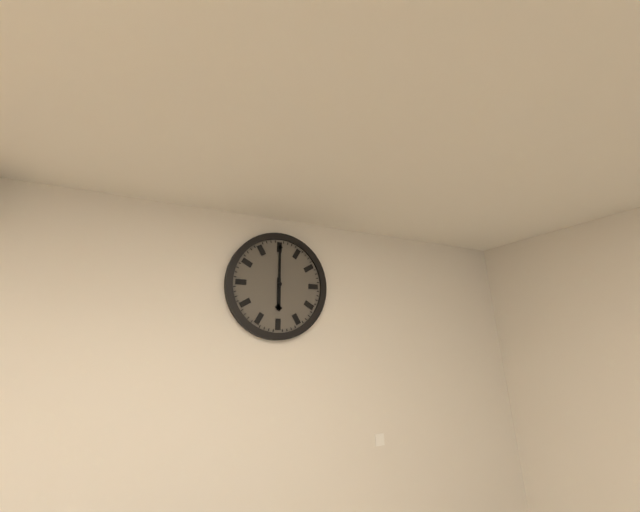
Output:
6.00
